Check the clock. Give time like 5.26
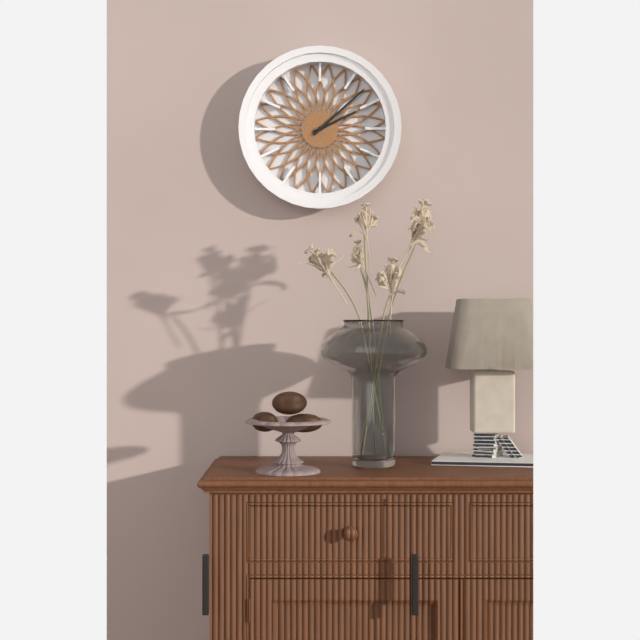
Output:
2.08
